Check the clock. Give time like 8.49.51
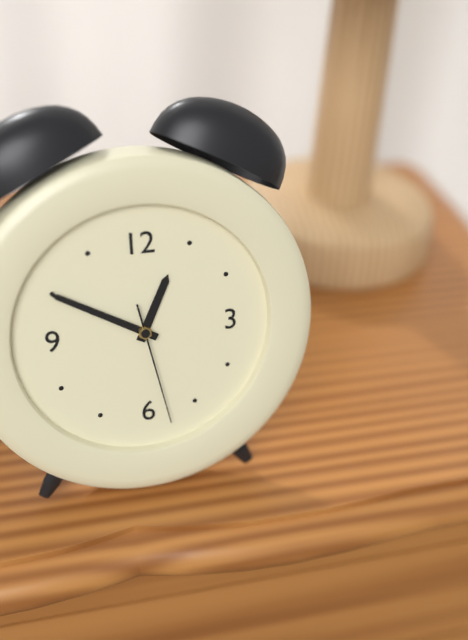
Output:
12.50.28
